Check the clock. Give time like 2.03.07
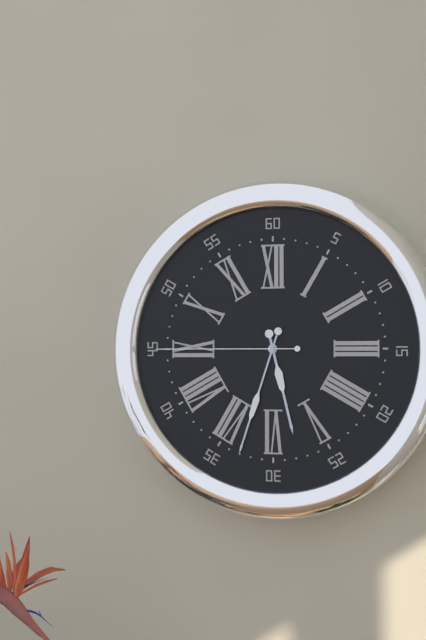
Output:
5.33.45
